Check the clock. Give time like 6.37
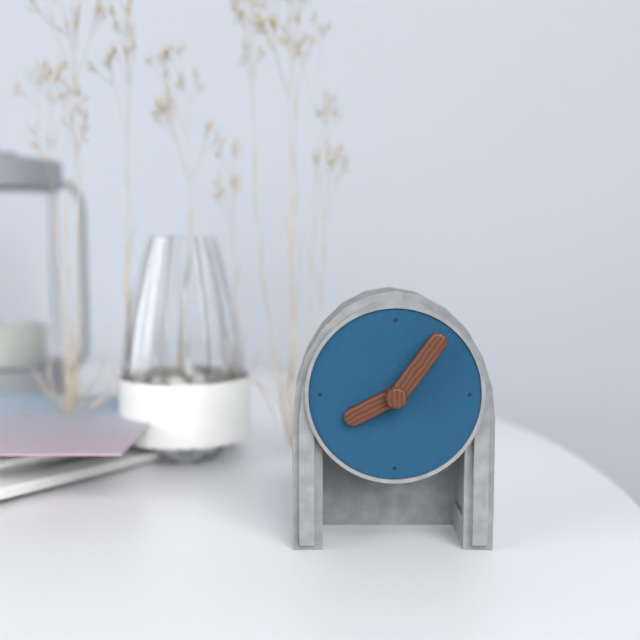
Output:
8.06
